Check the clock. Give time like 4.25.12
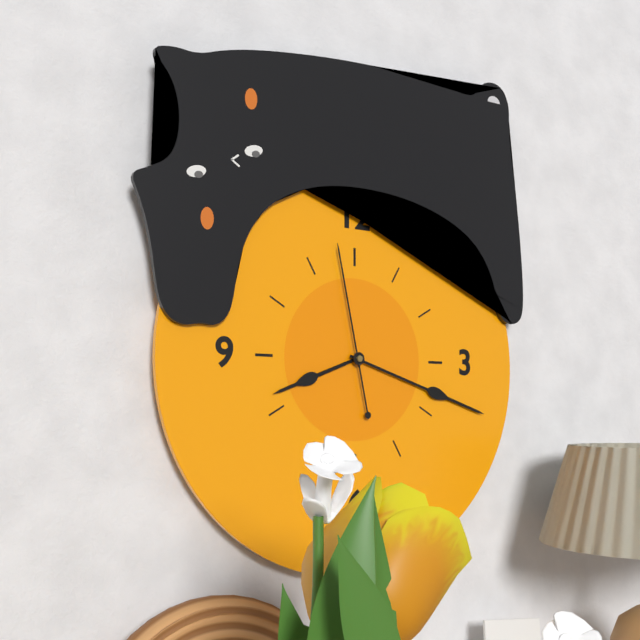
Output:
8.18.58
